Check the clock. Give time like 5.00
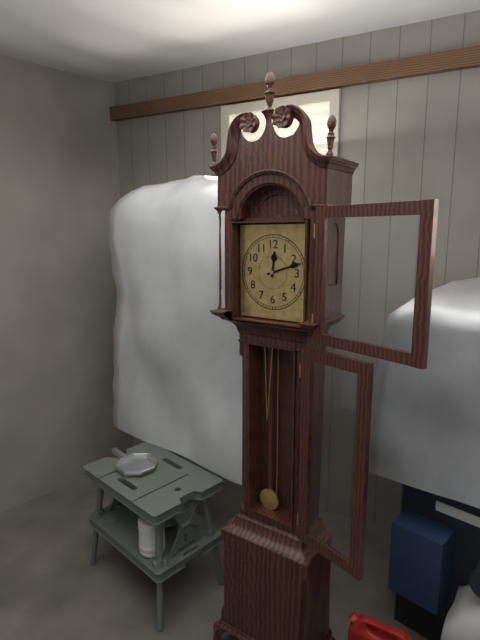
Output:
12.12
